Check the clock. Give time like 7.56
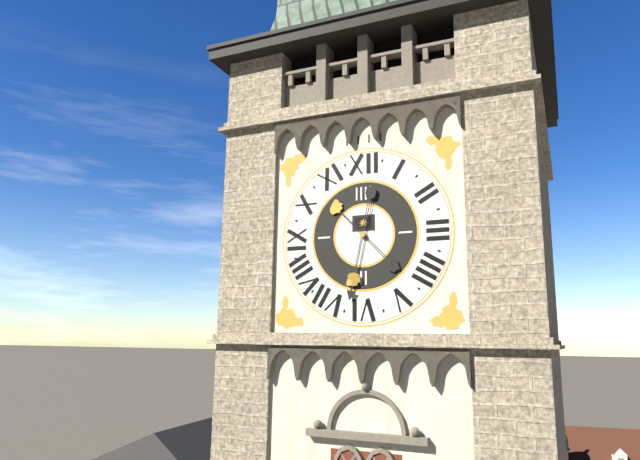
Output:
10.32
